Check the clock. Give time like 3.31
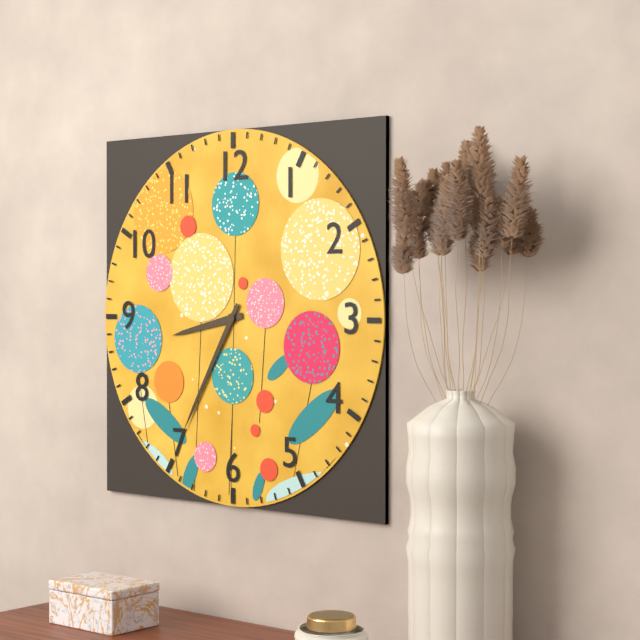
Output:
8.35
